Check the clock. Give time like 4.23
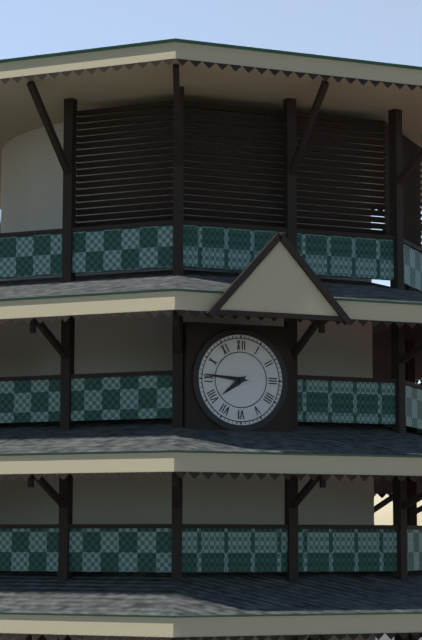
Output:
7.46
